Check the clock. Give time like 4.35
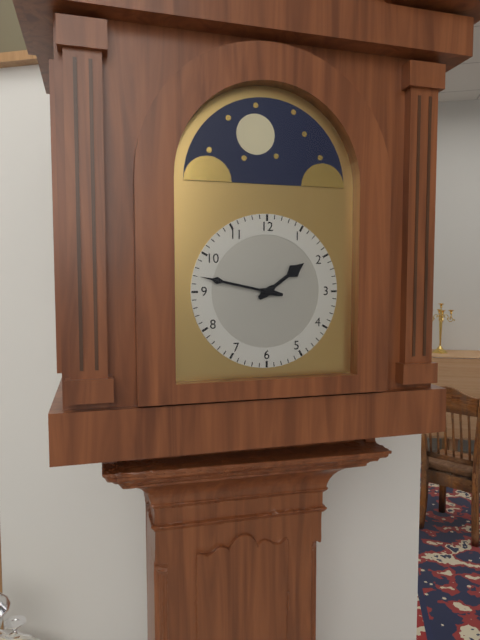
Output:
1.47
